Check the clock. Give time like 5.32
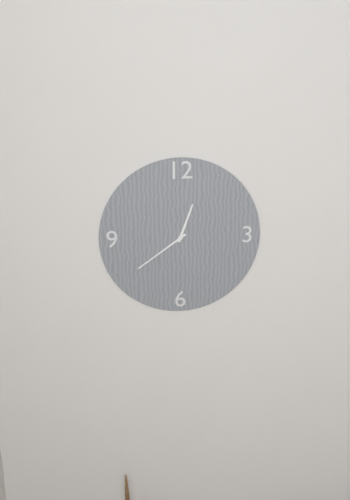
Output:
12.39
